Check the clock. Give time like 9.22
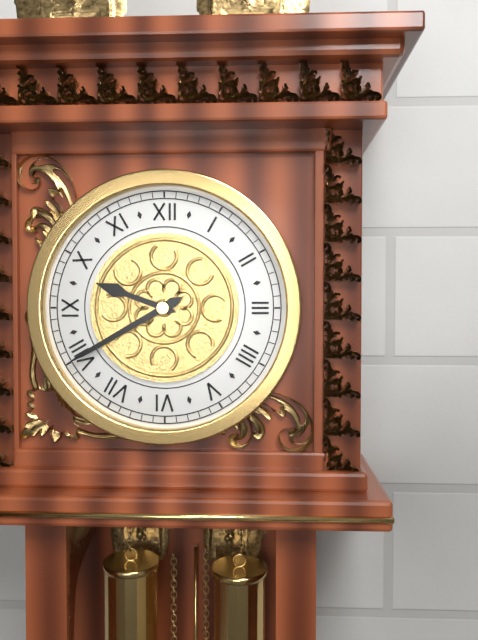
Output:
9.40
